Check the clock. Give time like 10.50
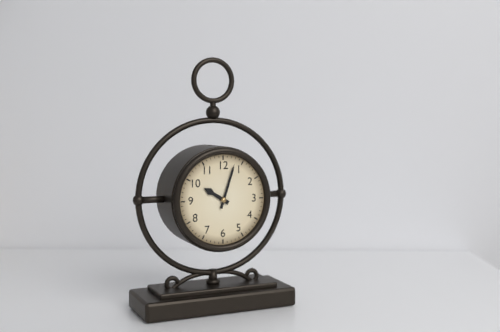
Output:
10.03
